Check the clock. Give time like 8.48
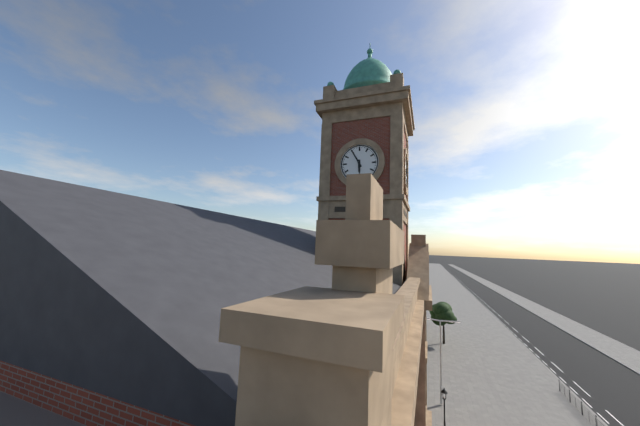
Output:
5.55
